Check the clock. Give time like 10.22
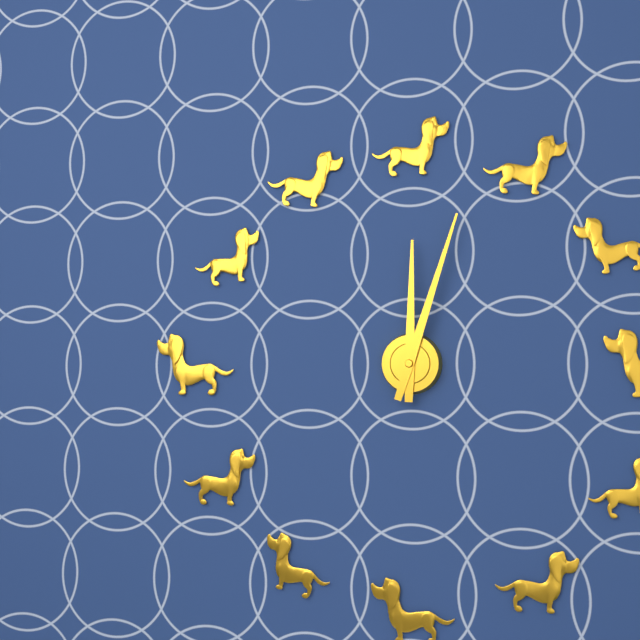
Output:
12.03
